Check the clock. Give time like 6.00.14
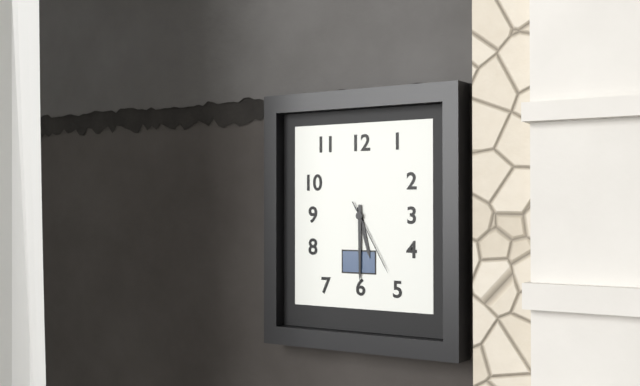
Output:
5.30.25
